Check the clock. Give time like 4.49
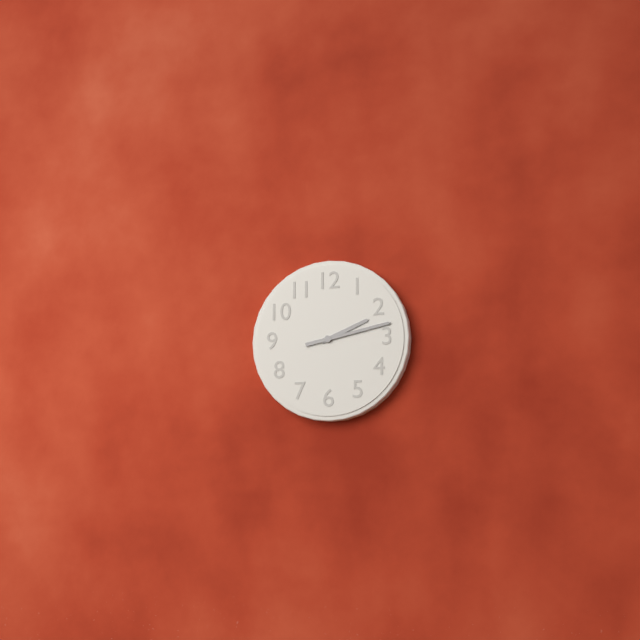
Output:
2.13
